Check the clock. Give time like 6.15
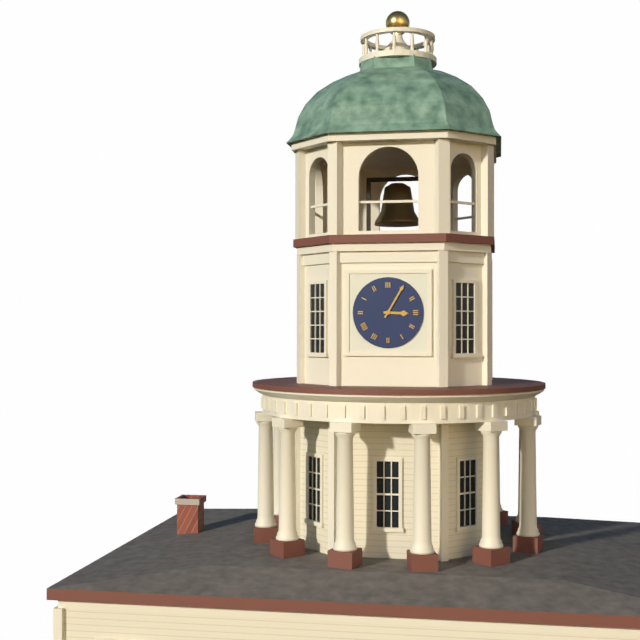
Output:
3.05
